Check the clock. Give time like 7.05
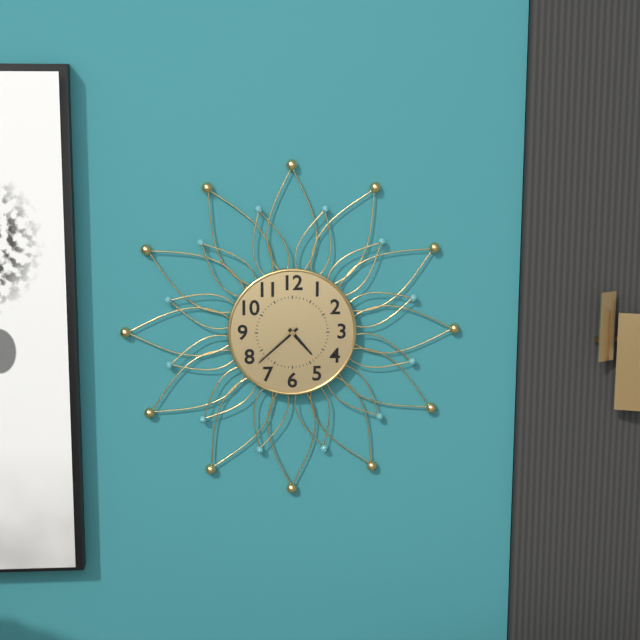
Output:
4.38
